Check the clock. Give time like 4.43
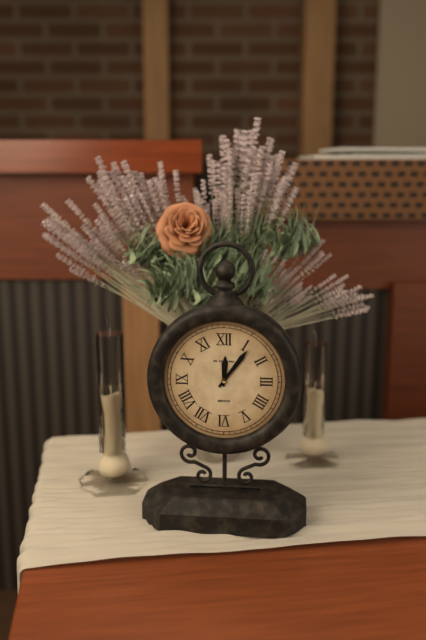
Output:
12.06
